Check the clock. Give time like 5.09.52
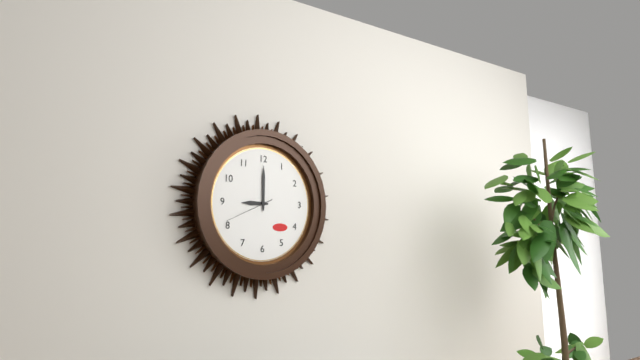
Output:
9.00.41
